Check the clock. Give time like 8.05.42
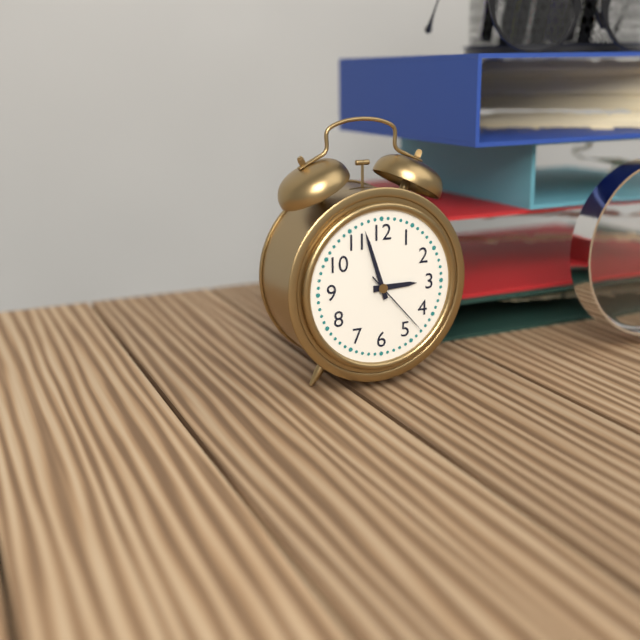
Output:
2.57.23
